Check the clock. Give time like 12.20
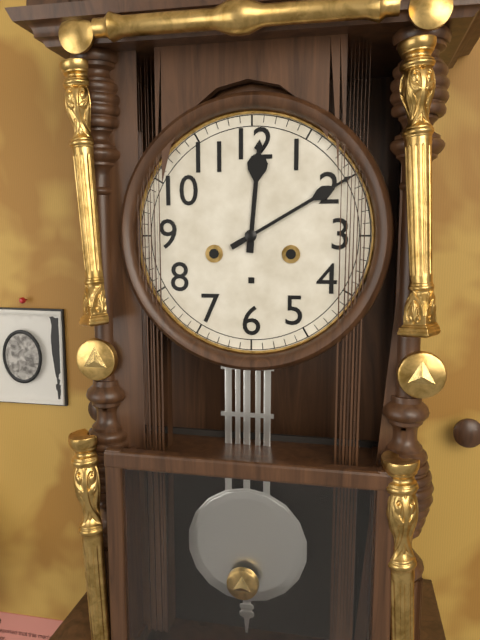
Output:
12.10
